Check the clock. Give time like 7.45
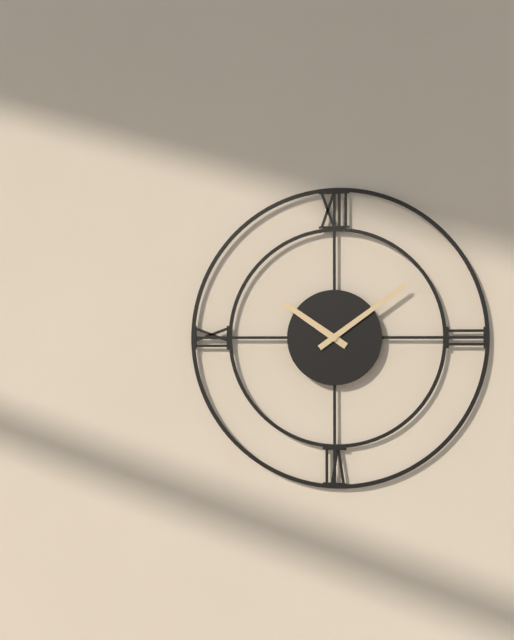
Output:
10.09
